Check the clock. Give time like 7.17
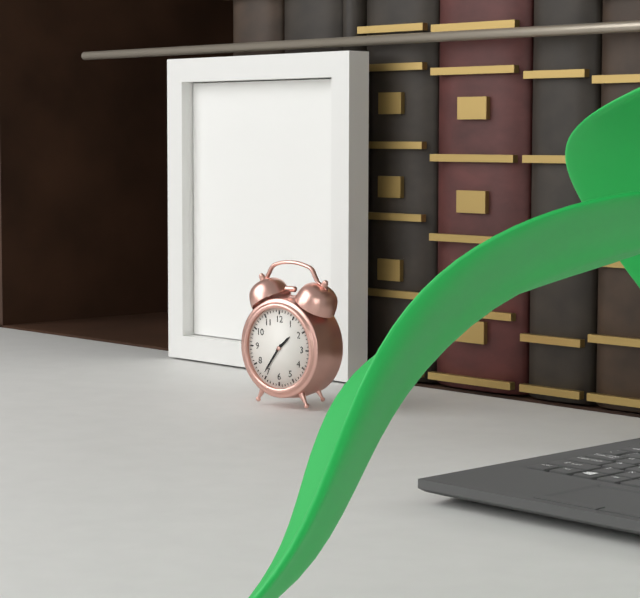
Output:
1.36
